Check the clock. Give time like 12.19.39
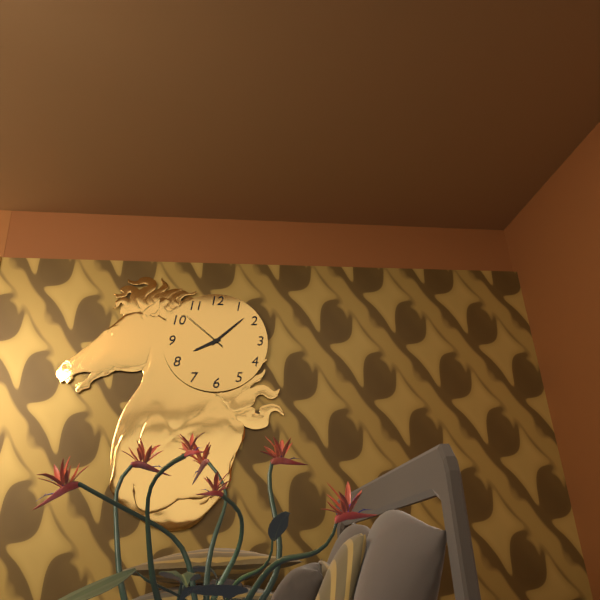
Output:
8.08.52
